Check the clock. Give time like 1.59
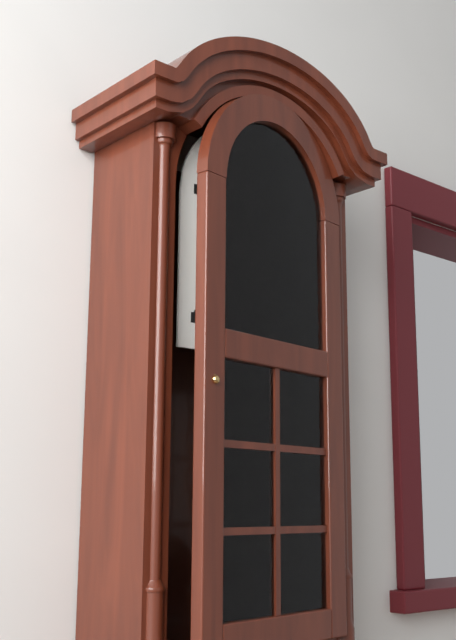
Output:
9.38
